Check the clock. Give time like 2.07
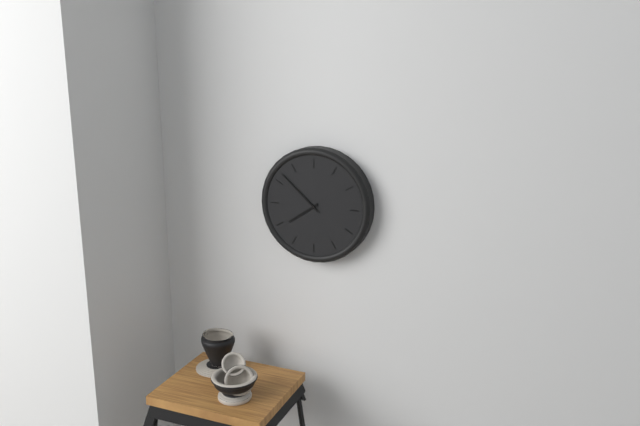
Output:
7.52
